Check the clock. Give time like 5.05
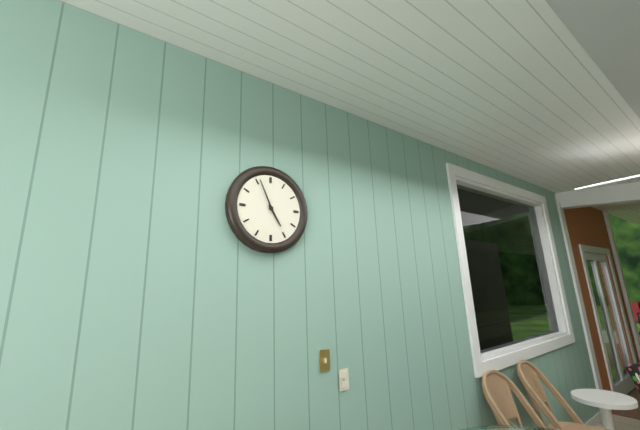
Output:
4.56
